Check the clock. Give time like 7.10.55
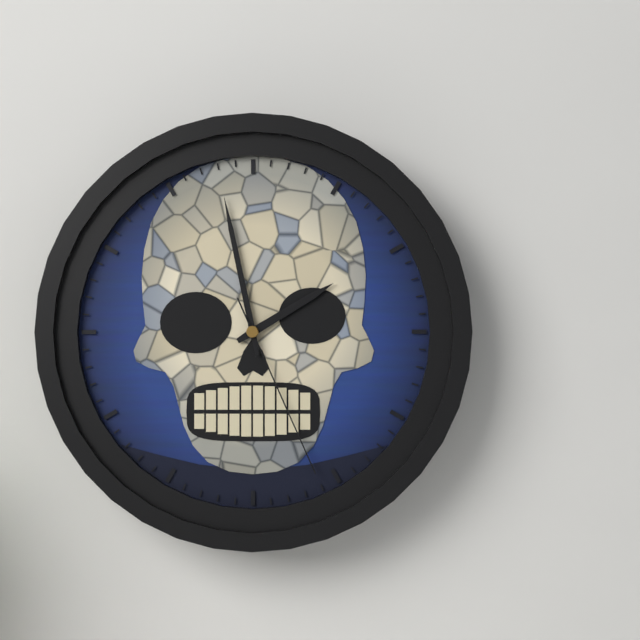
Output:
1.58.26
